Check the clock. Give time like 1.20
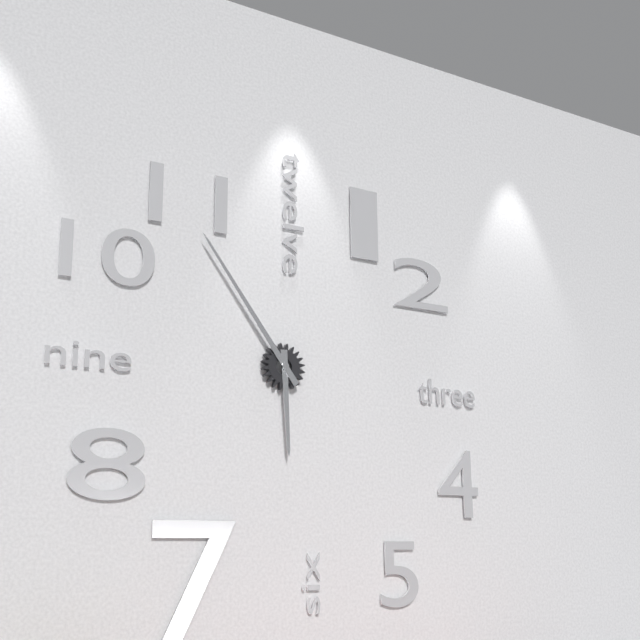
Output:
5.54
